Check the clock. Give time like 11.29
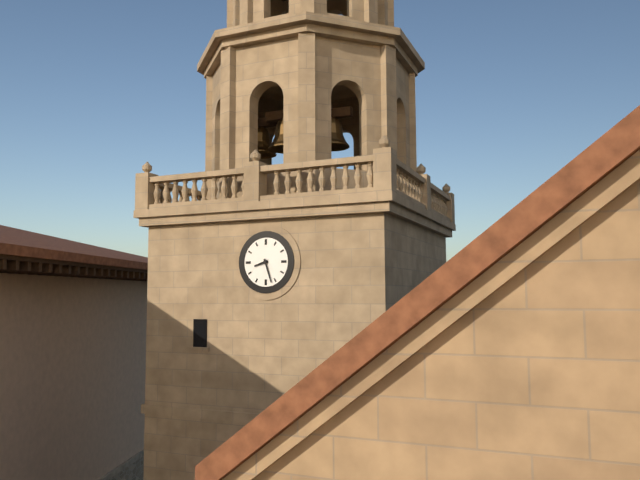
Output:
8.27
